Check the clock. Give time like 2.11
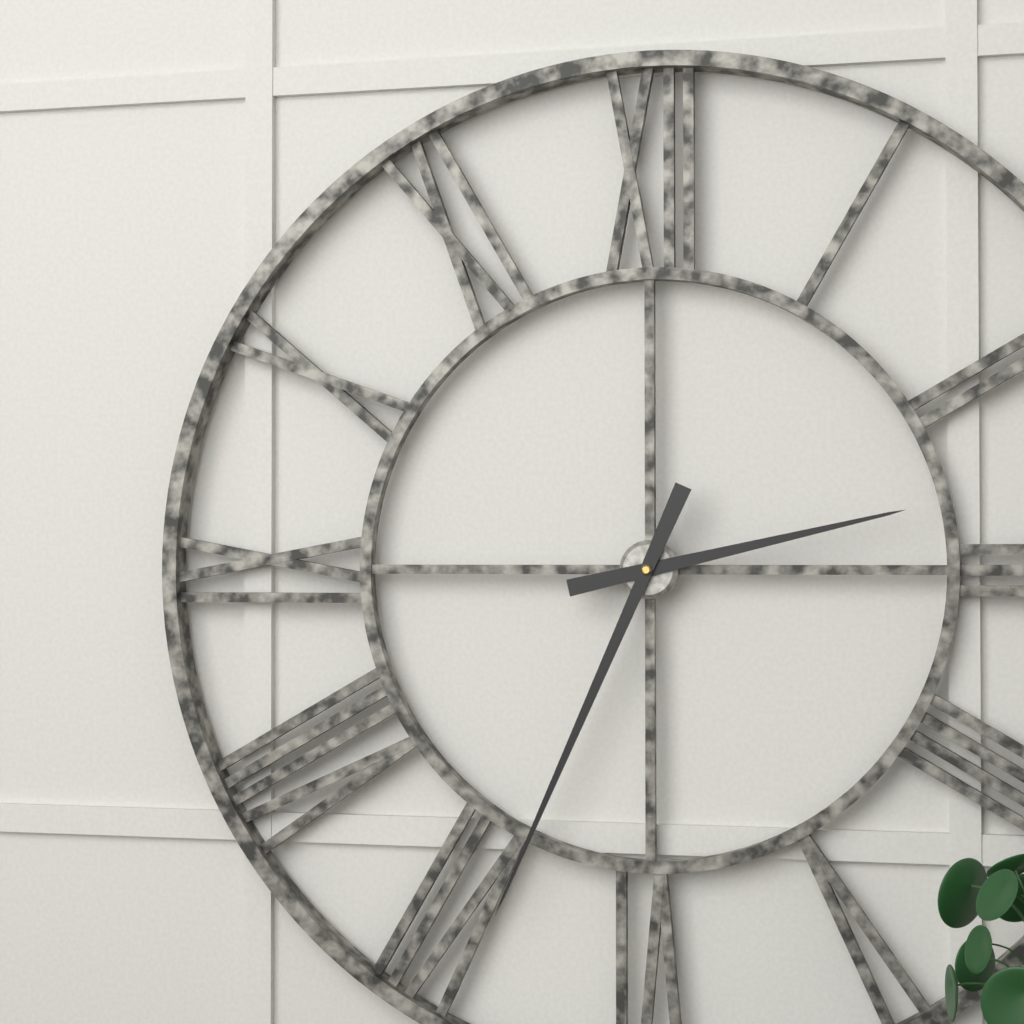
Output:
2.34
